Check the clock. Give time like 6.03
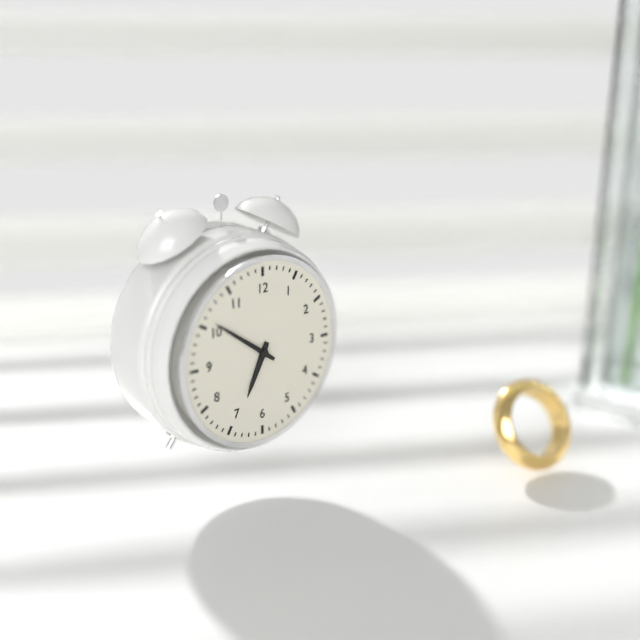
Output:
6.51
